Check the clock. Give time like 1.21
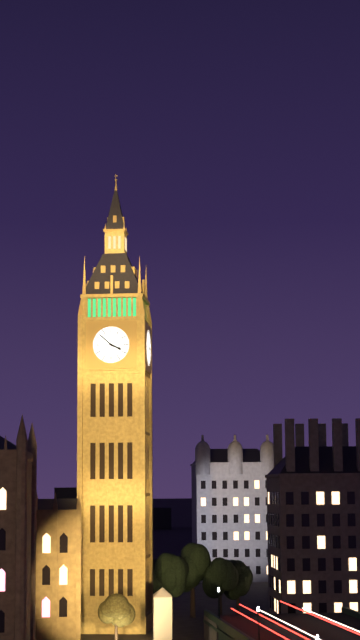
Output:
3.52
